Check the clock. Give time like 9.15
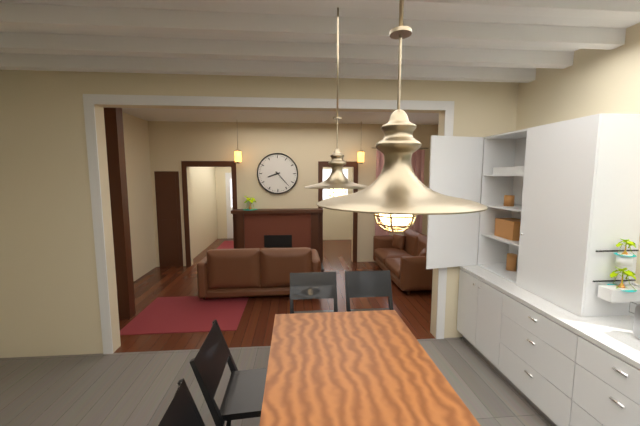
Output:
8.23
